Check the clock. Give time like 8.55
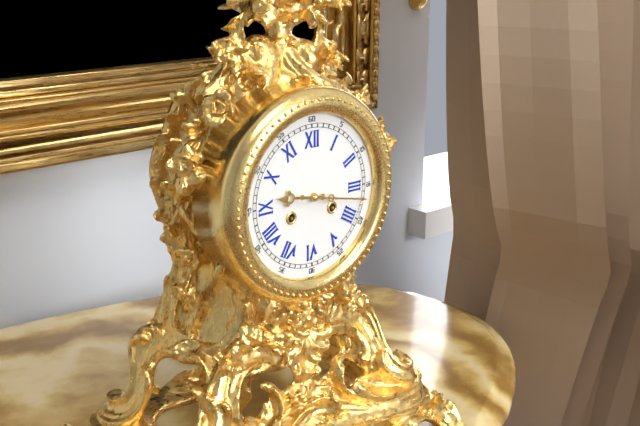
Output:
9.17
